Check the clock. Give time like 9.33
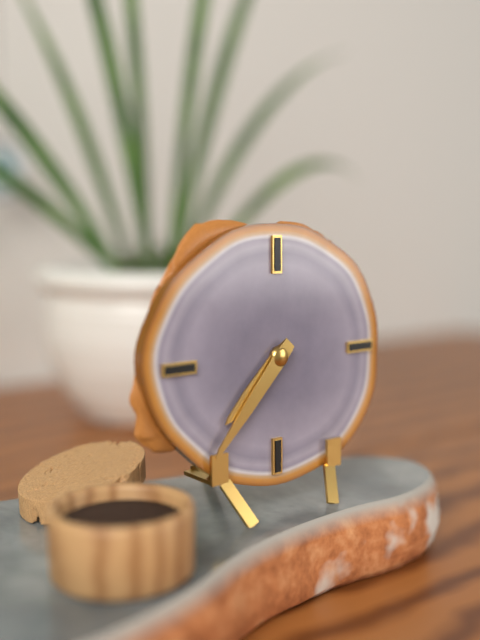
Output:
7.37
